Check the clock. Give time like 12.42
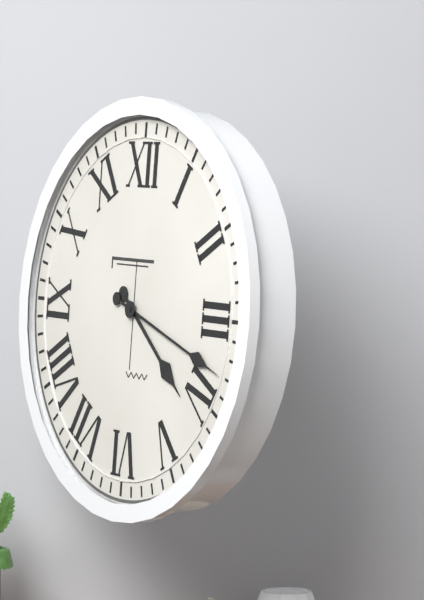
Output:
4.18
